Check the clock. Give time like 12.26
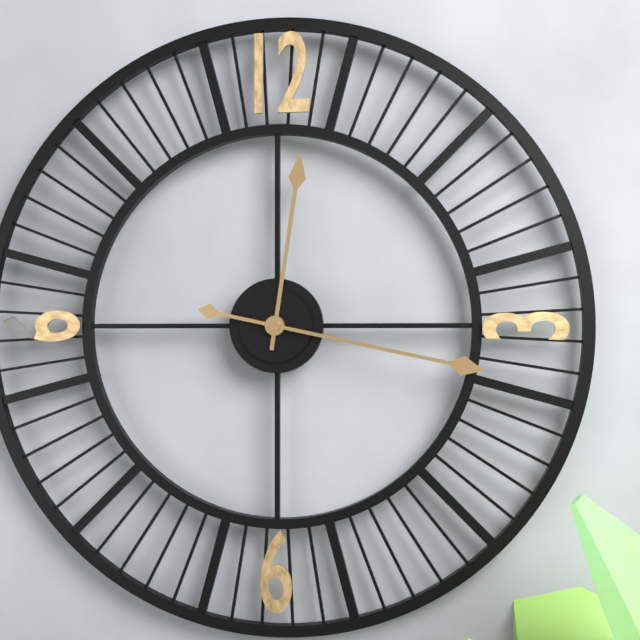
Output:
12.17
